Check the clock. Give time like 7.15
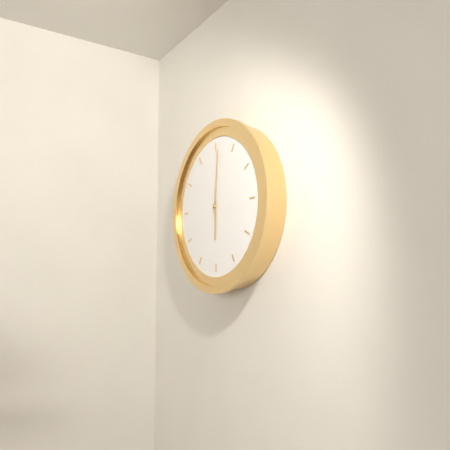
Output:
6.01
